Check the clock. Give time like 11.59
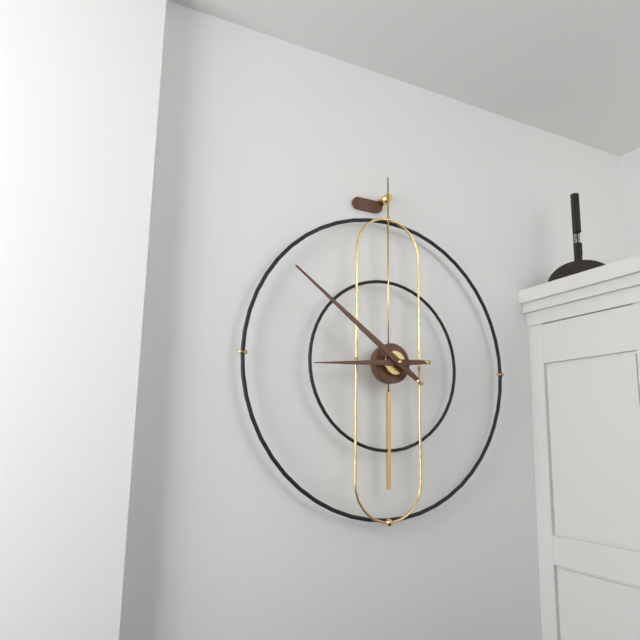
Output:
8.51
